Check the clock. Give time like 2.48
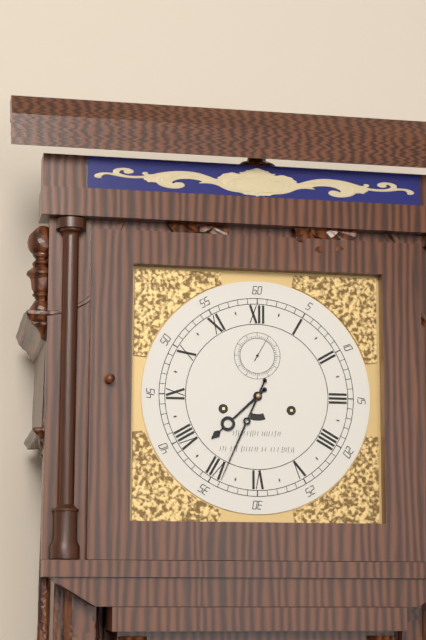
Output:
7.34
